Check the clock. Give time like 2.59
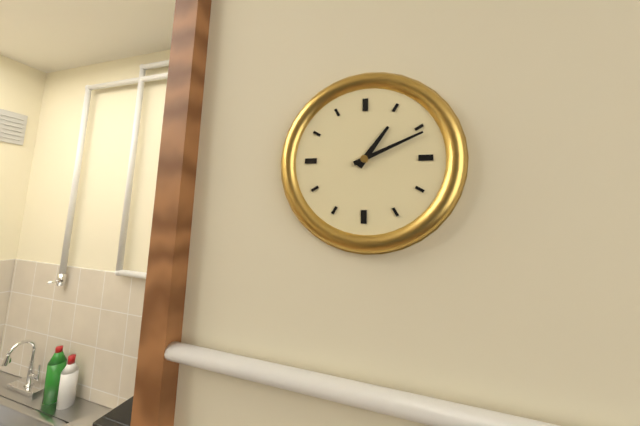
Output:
1.11
